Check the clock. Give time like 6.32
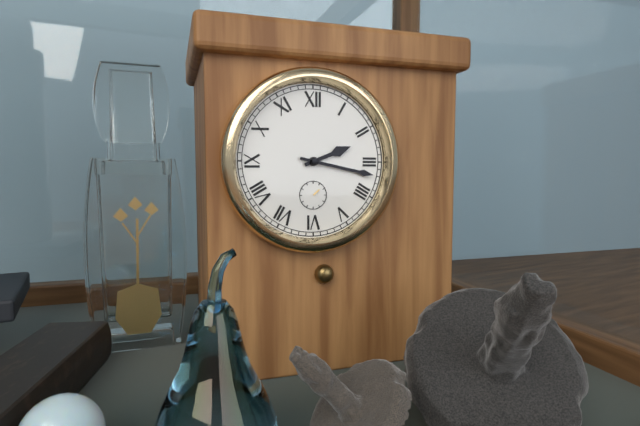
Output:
2.17
